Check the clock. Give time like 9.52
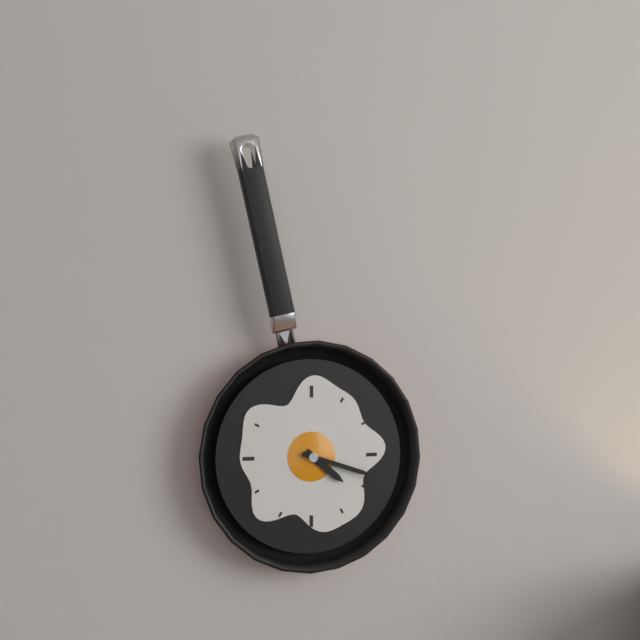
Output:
4.18
